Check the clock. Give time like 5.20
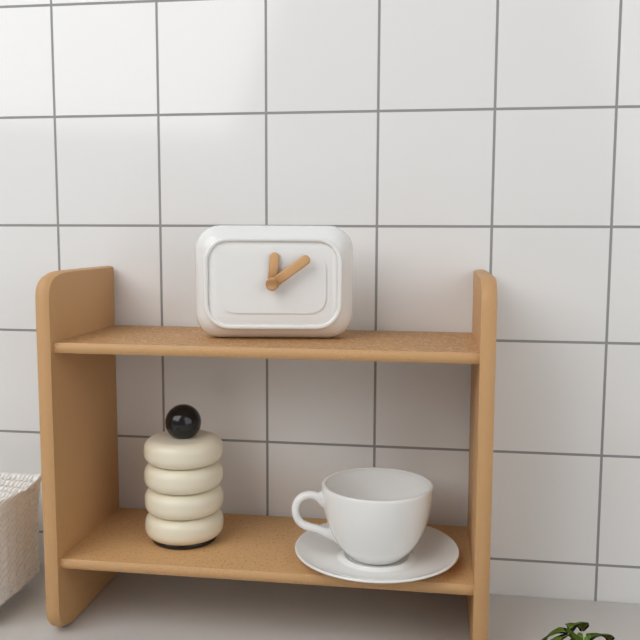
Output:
12.09
